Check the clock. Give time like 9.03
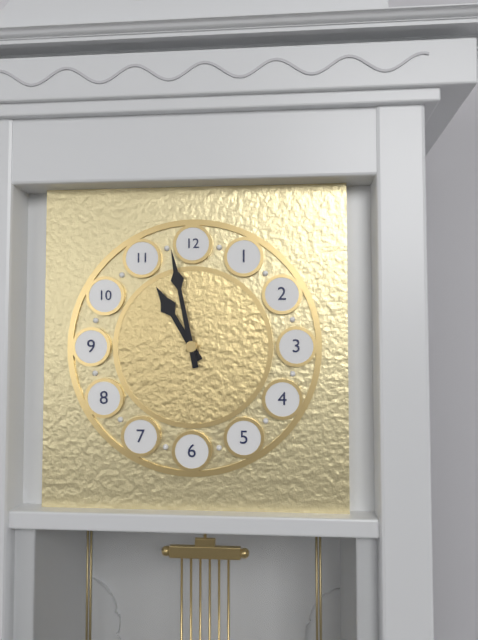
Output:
10.58
